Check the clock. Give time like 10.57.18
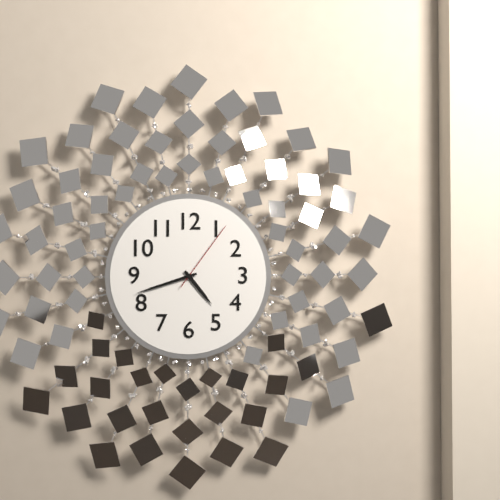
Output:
4.42.06
